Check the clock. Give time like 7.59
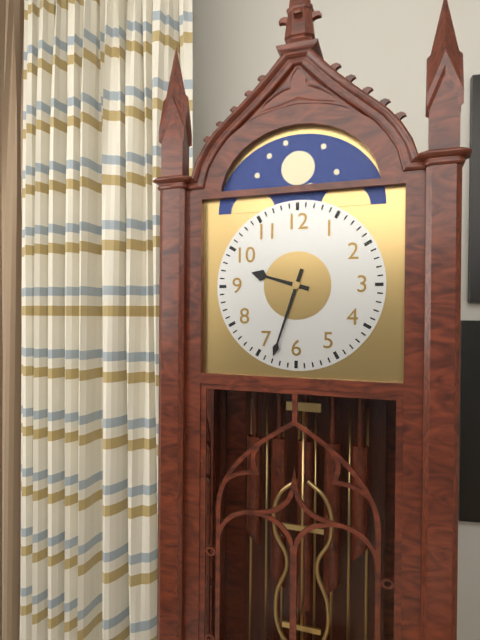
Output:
9.33
